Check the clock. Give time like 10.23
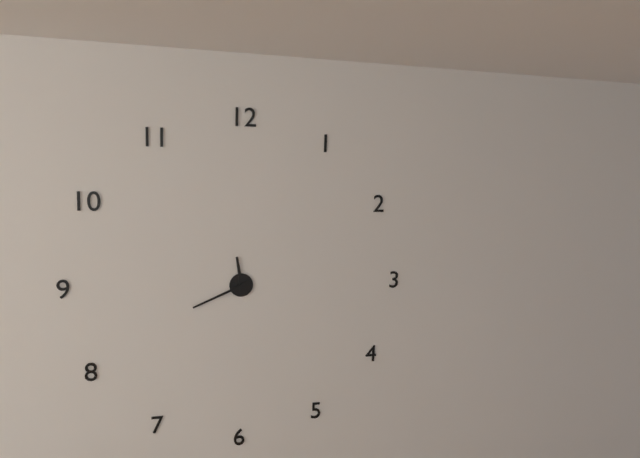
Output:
11.41
